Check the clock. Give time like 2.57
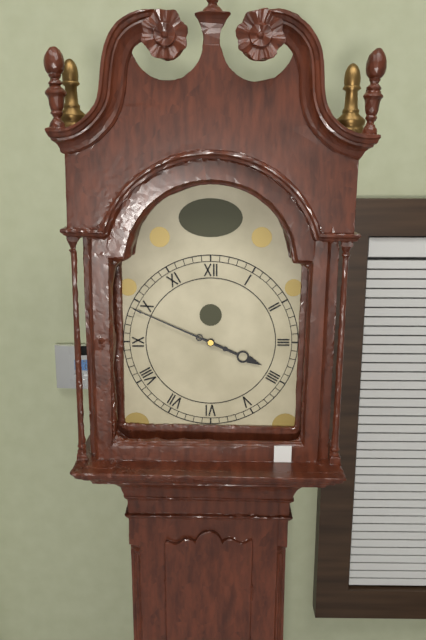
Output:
3.49
